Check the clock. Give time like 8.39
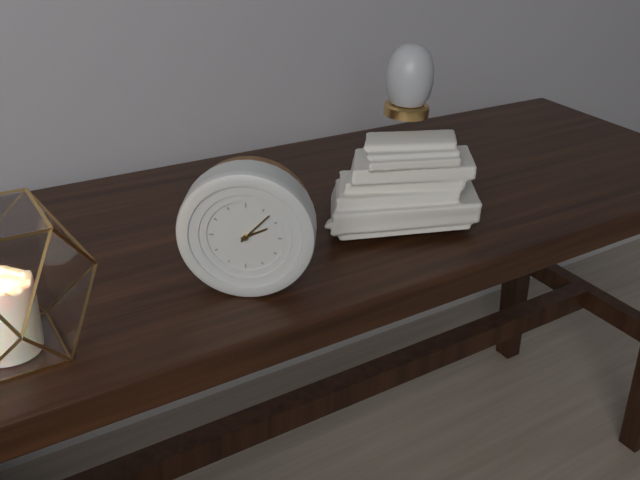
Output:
2.07
